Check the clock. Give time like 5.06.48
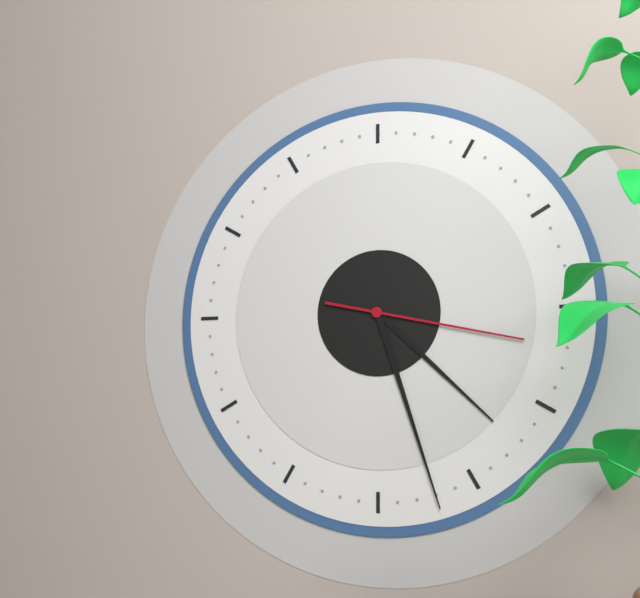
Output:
4.27.17
